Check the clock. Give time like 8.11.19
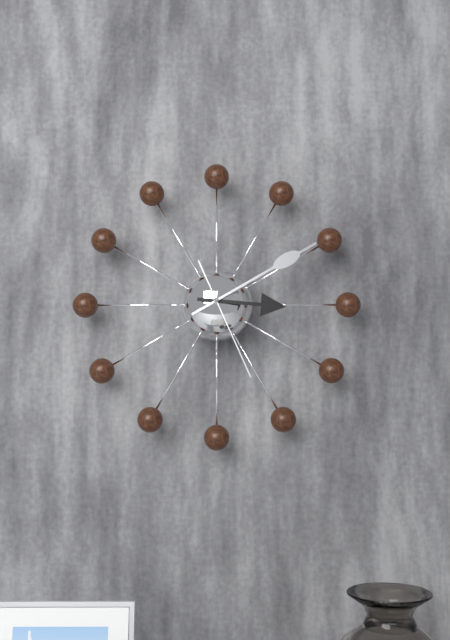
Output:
3.10.26
